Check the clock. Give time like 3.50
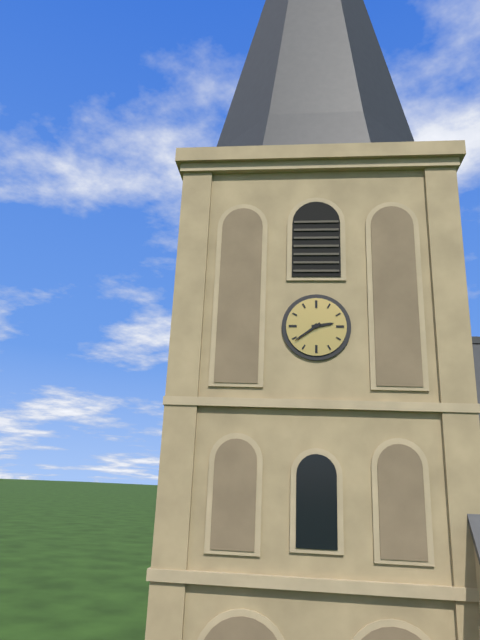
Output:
2.39
